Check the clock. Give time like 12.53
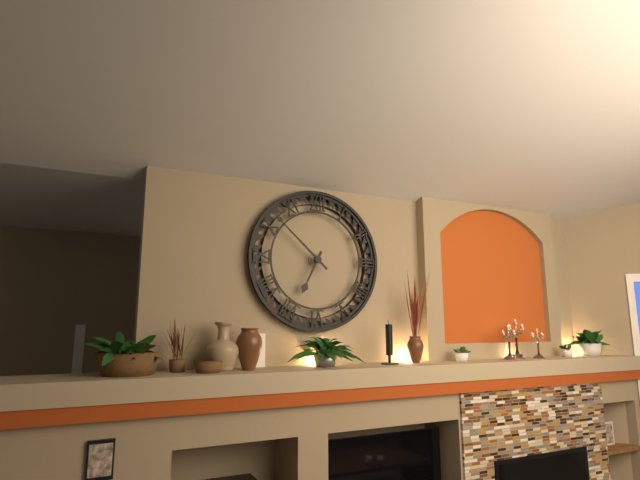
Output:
6.52
